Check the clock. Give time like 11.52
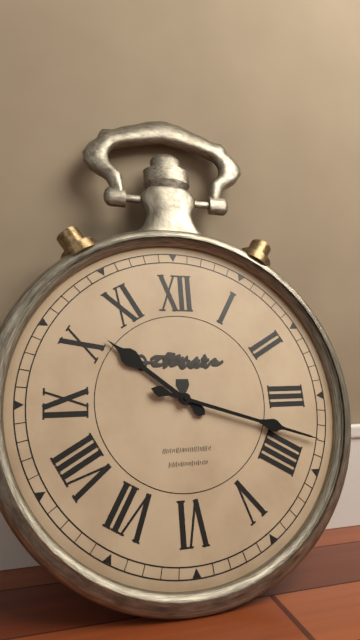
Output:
10.18
